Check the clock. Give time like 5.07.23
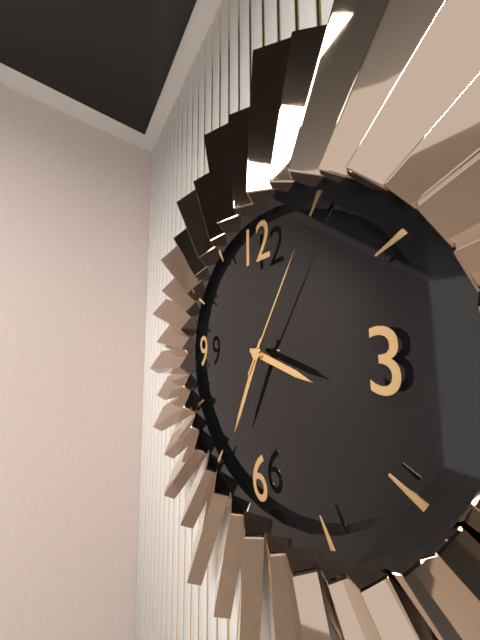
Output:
3.34.05
